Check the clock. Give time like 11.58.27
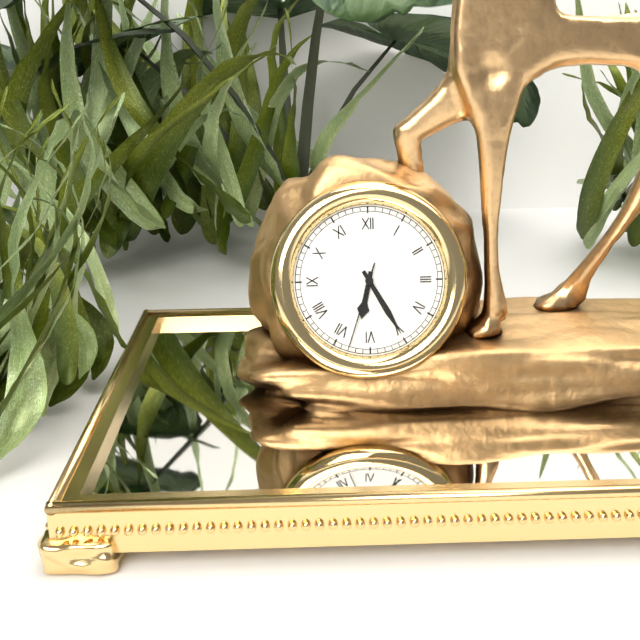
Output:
6.25.33
